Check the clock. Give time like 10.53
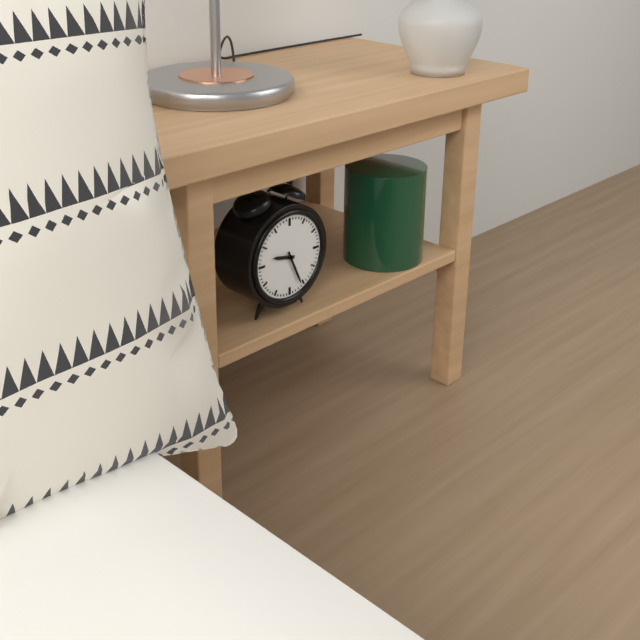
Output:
9.26
